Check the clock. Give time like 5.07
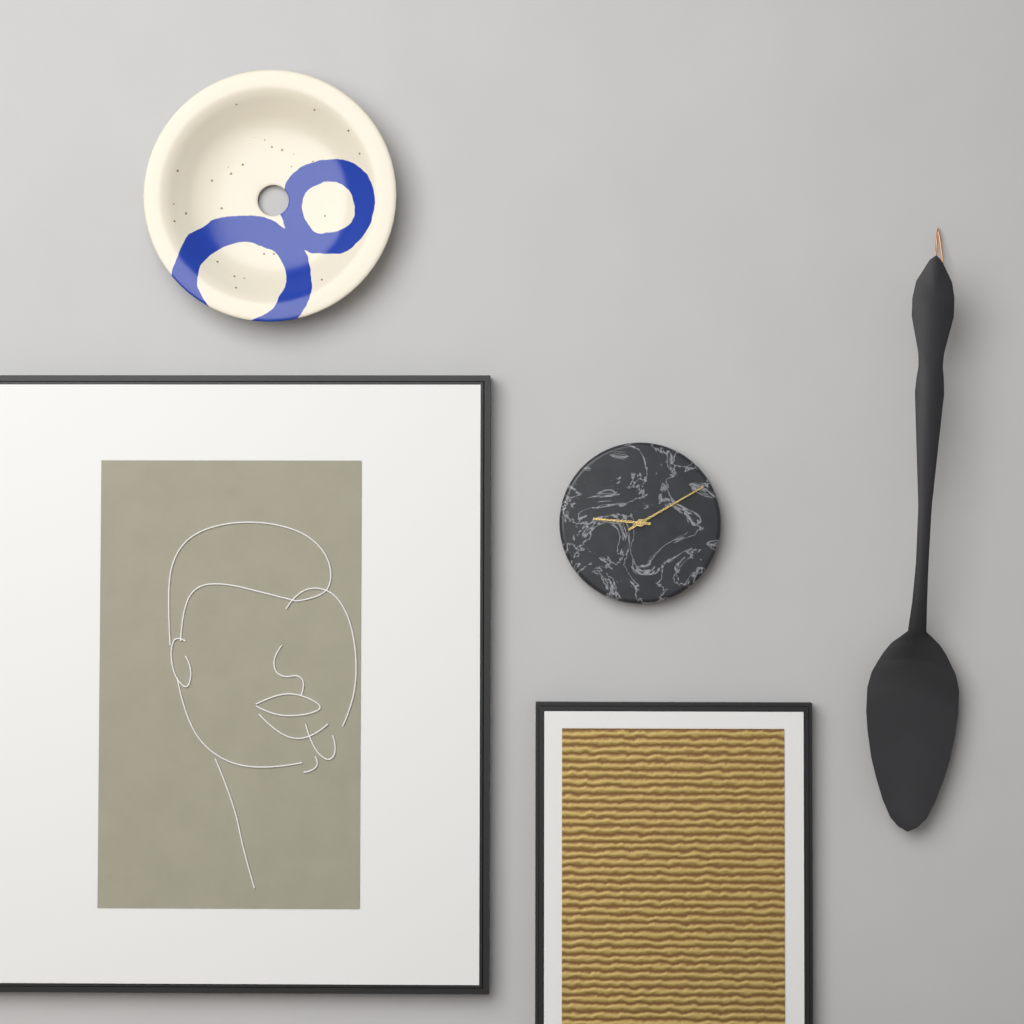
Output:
9.10
